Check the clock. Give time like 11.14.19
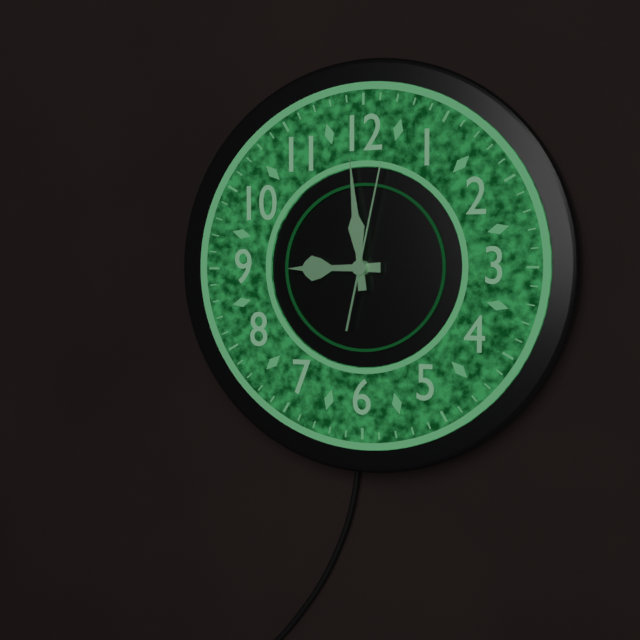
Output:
8.59.02
